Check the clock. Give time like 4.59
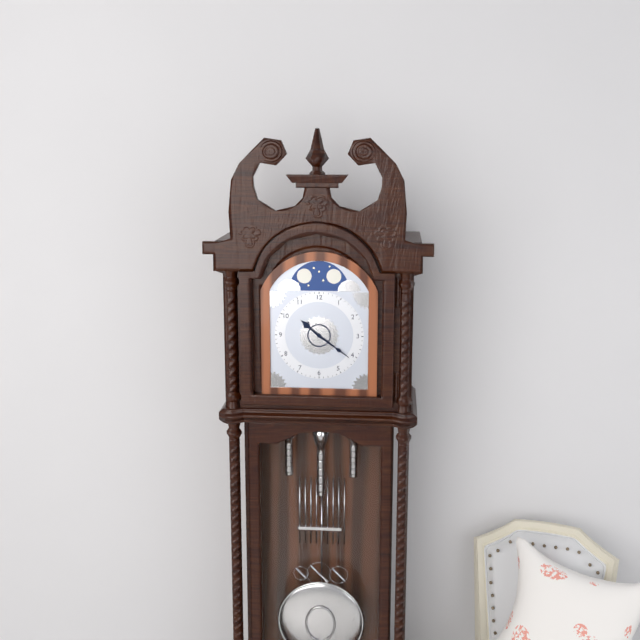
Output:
10.21
